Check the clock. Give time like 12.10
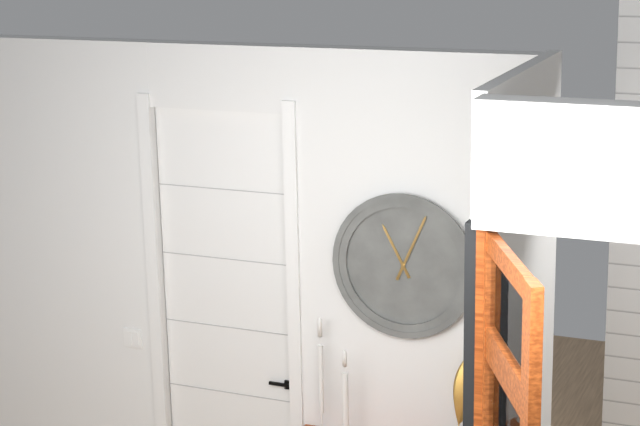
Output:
11.04
